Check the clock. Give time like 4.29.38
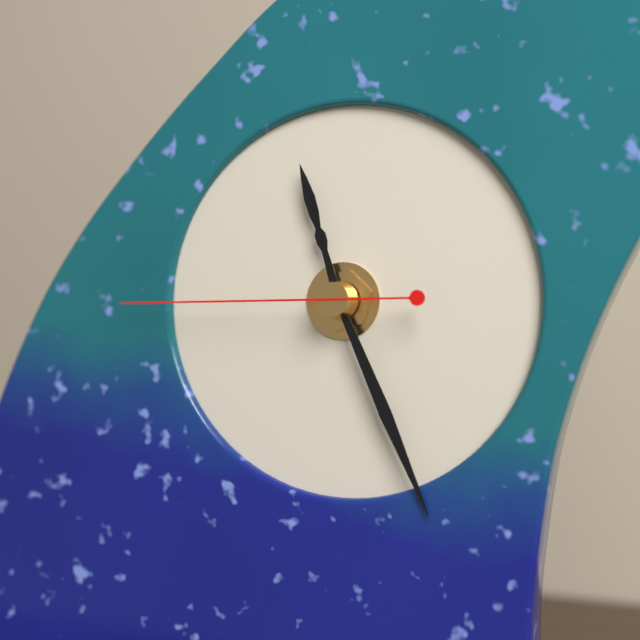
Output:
11.26.45
